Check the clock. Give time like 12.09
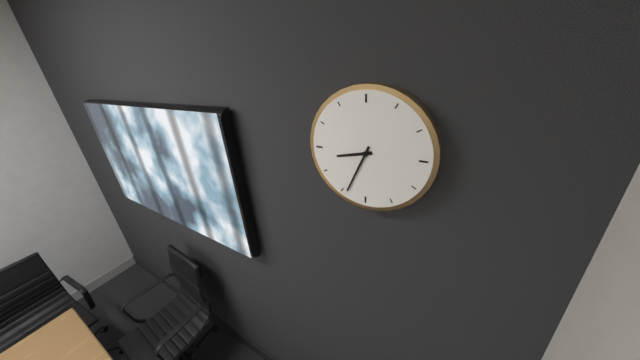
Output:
8.34
